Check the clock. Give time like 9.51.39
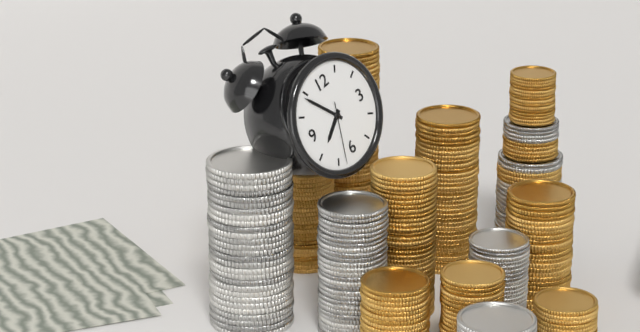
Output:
7.54.33
